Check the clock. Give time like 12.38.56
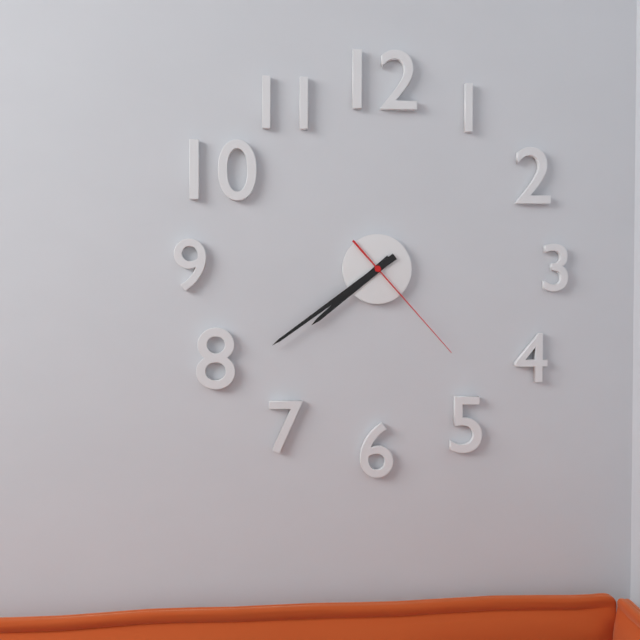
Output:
7.39.23
